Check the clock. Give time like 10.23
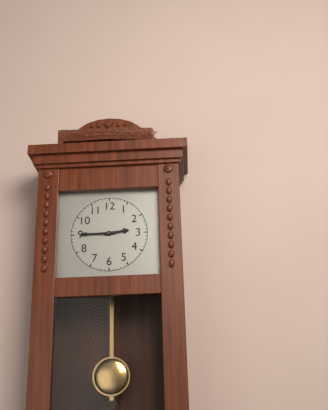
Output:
2.45
